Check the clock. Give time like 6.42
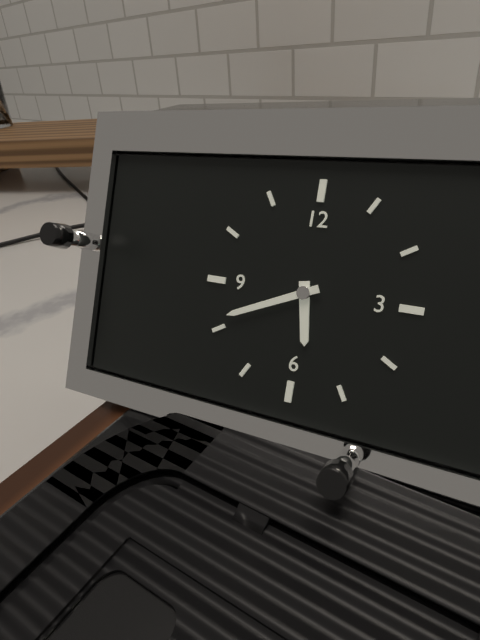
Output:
5.41
